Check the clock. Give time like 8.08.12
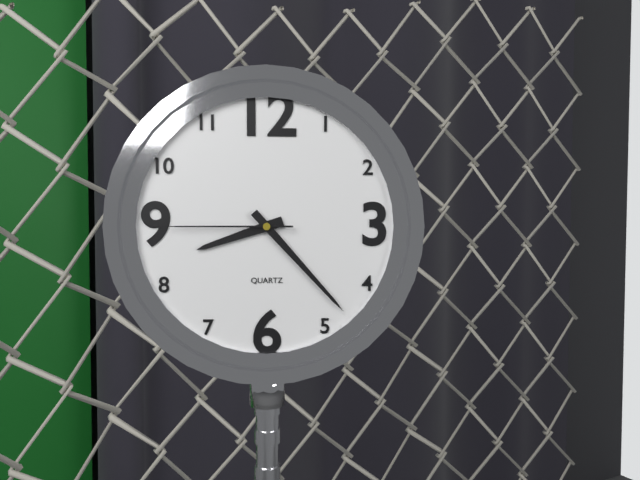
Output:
8.23.45
